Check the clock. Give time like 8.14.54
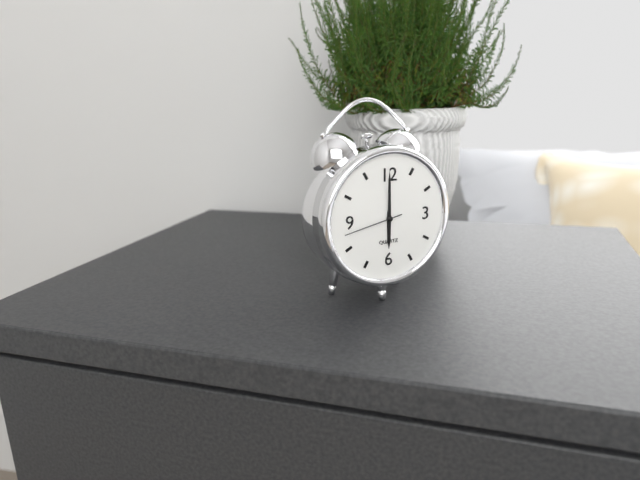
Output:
6.00.43
